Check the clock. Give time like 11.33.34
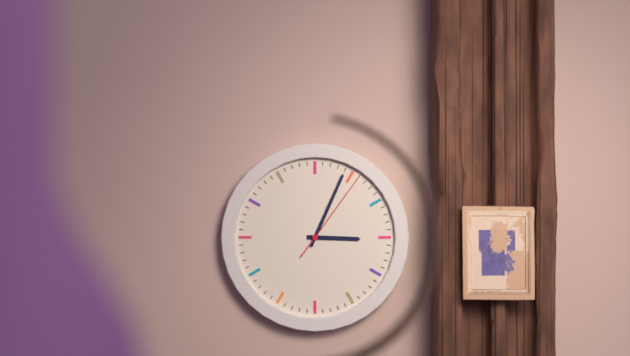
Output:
3.04.06
